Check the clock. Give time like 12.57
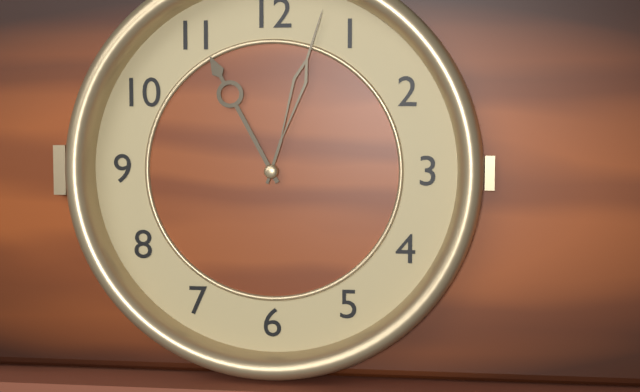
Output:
11.03
